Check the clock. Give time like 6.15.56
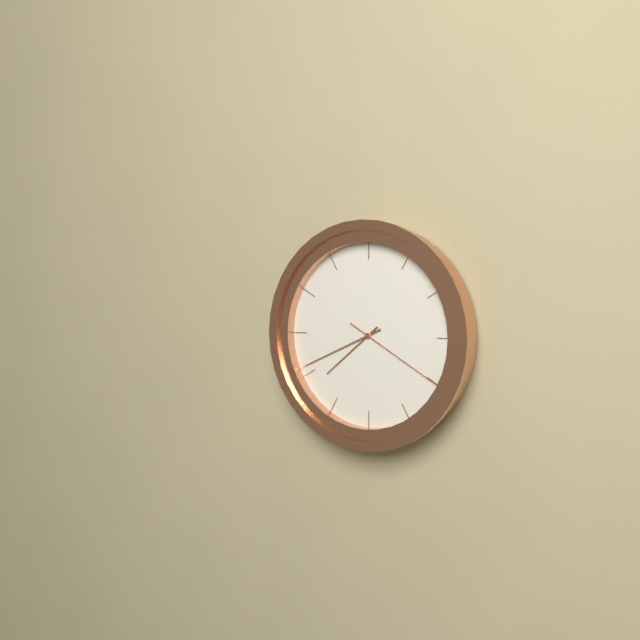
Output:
7.41.20
